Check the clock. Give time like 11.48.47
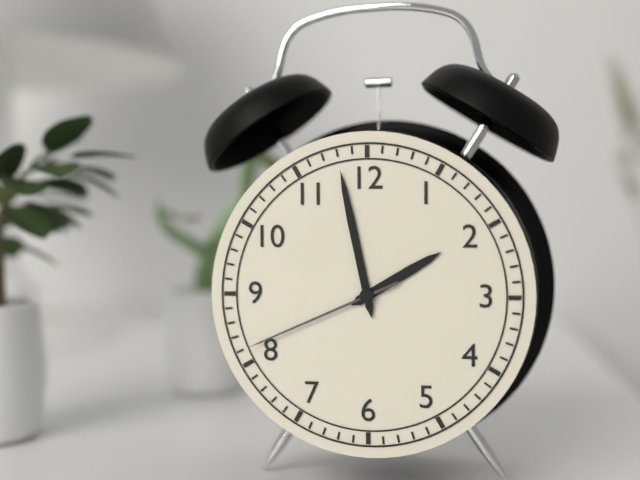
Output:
1.58.41
